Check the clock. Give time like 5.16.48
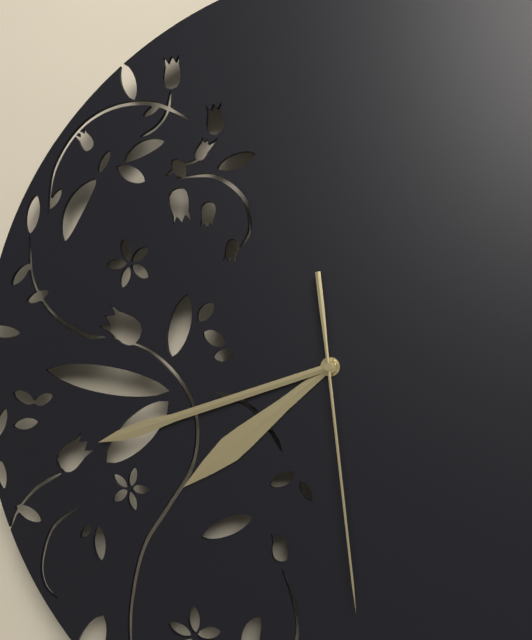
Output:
7.42.29
